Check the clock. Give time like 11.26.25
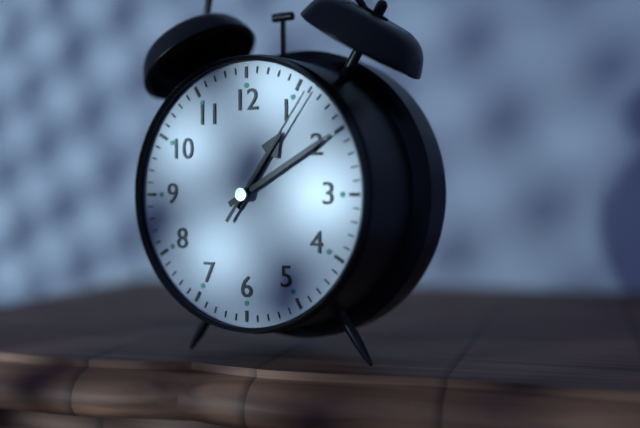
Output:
1.10.06
